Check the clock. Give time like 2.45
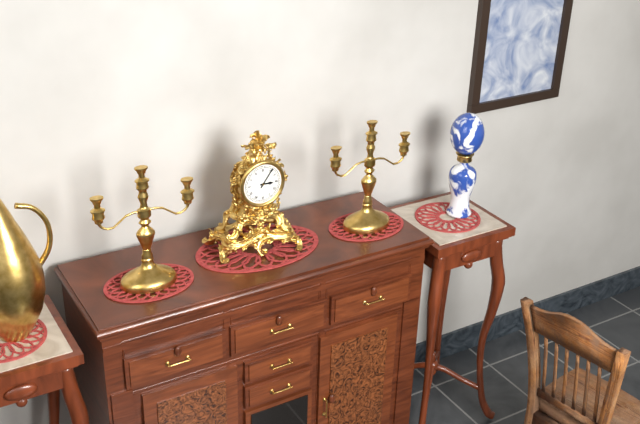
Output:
3.06
